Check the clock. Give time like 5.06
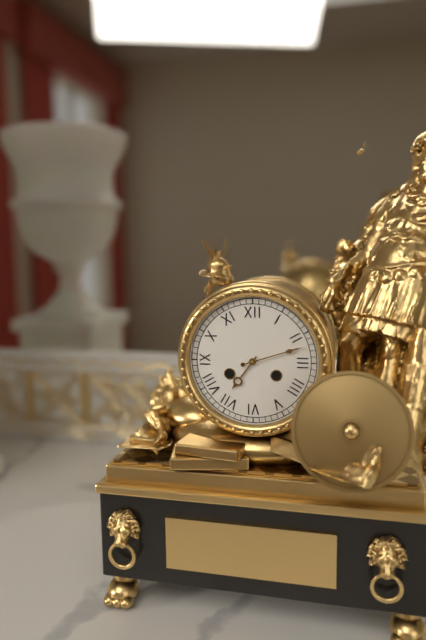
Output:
7.12
